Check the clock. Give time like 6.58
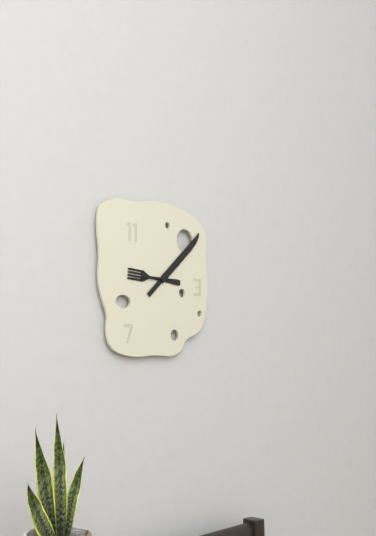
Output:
9.08
